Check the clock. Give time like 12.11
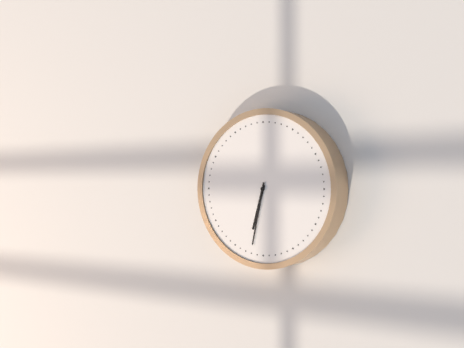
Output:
6.32
